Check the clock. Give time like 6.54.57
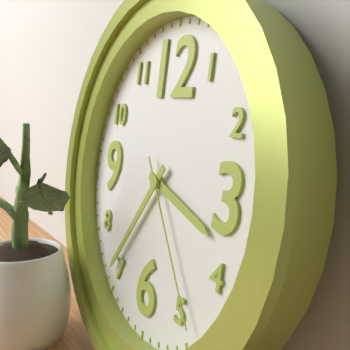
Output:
3.36.24
